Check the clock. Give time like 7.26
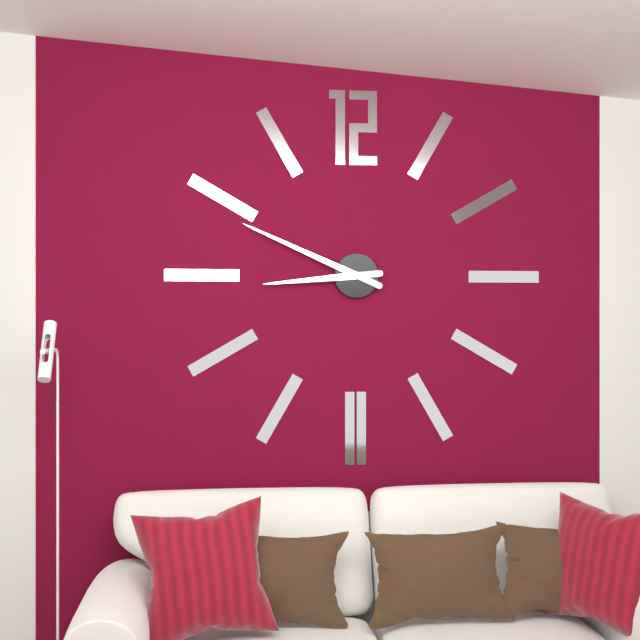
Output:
8.49
